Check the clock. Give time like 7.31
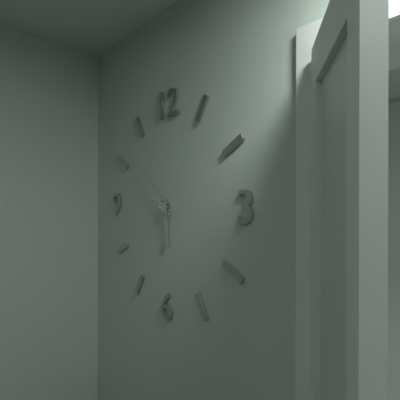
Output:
5.52
